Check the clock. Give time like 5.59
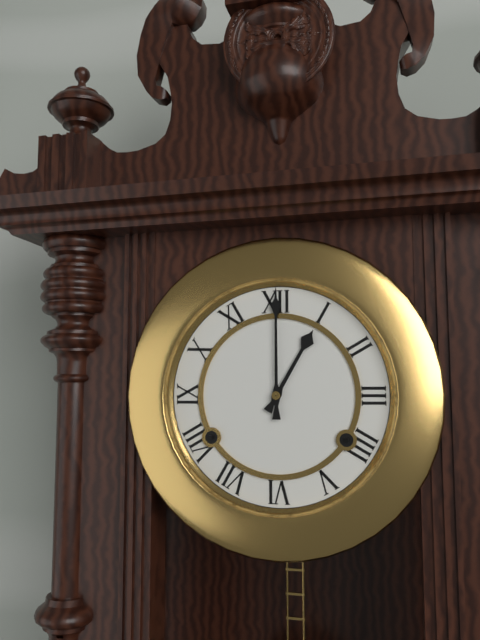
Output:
1.00
